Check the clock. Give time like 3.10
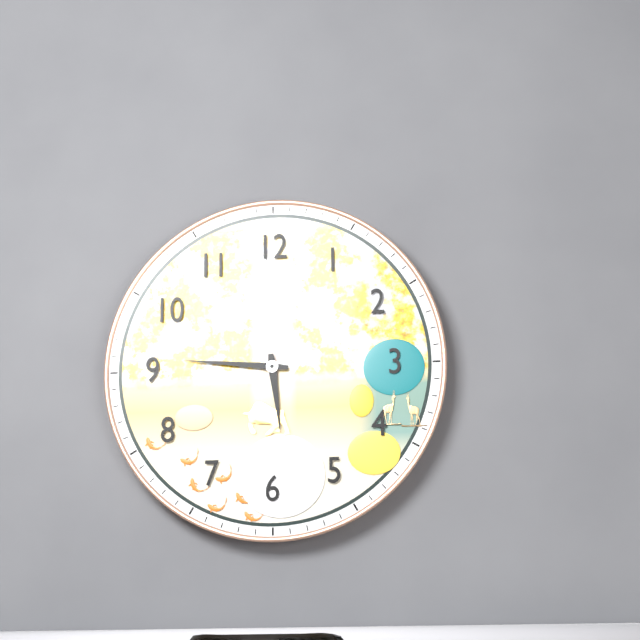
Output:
5.46
